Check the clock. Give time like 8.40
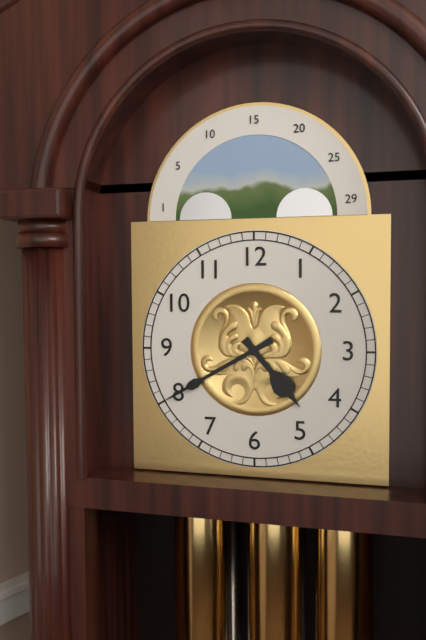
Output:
4.40
